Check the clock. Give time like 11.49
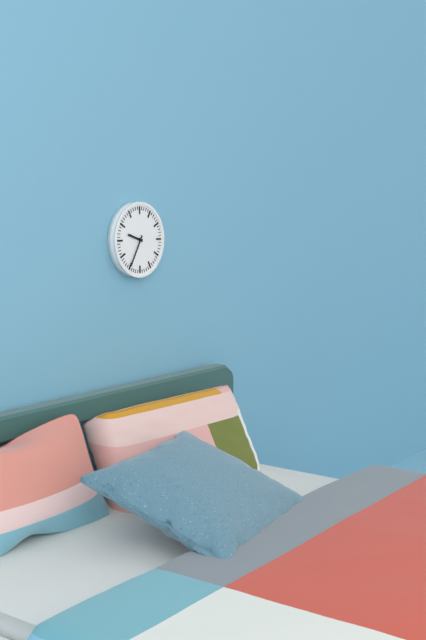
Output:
9.35
